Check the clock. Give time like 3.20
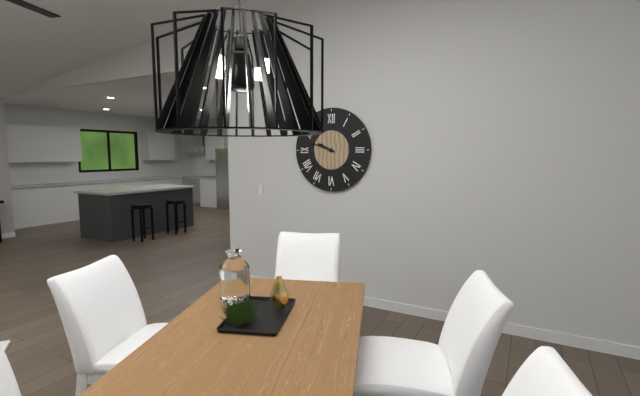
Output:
9.48
